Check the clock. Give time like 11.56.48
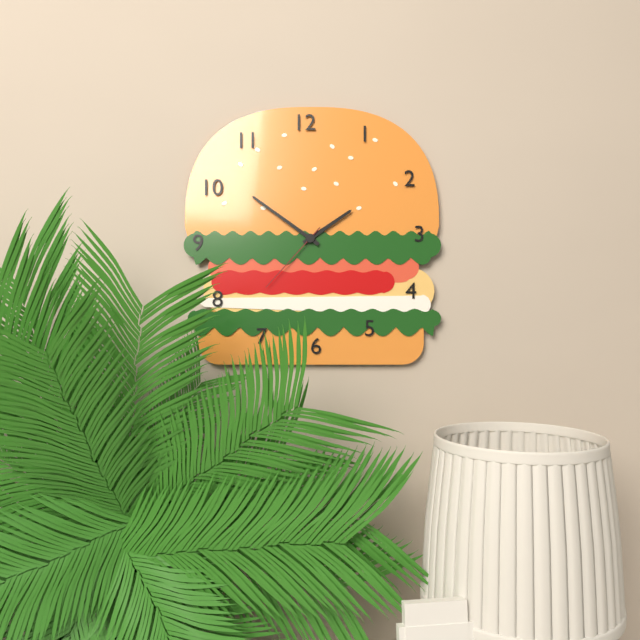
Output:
1.51.37
